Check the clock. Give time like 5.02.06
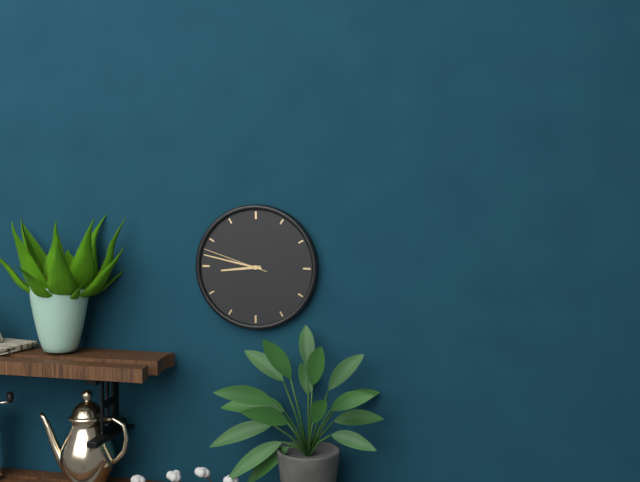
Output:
8.47.48
